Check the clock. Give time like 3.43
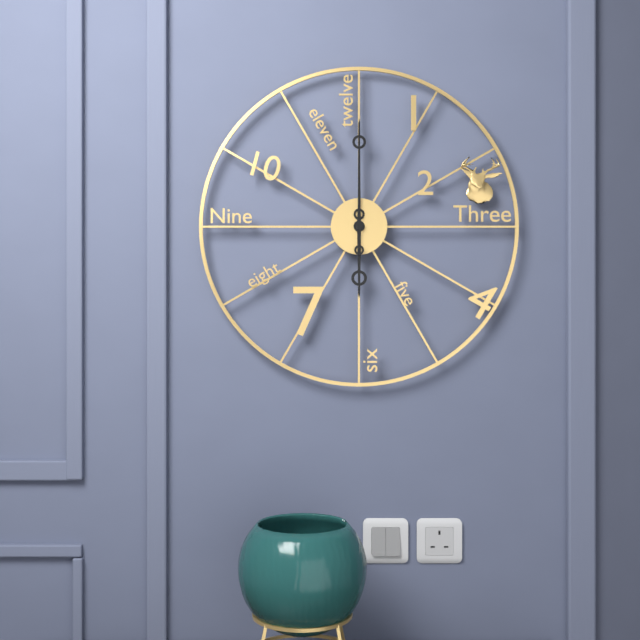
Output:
6.00
